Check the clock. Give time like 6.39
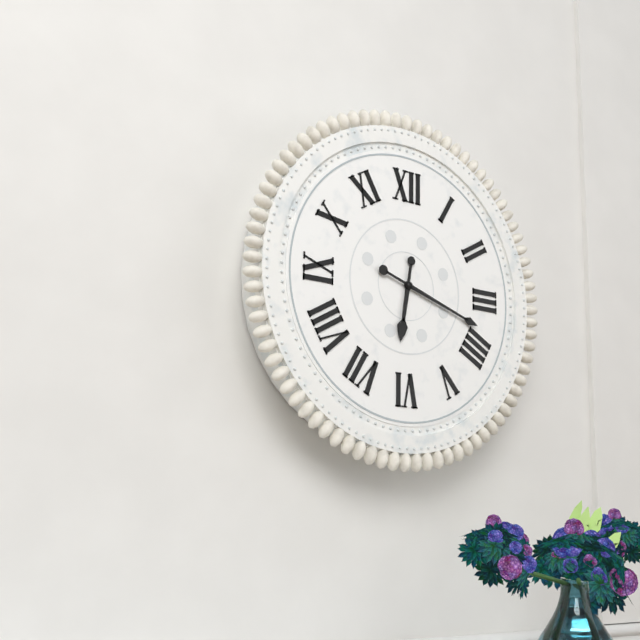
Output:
6.18
